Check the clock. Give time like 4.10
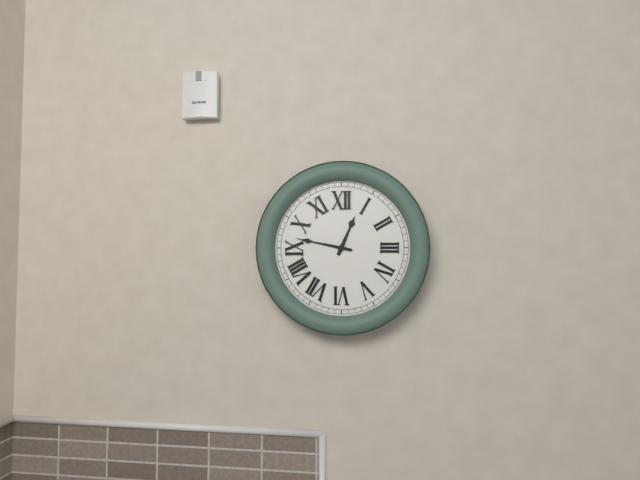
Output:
12.47
